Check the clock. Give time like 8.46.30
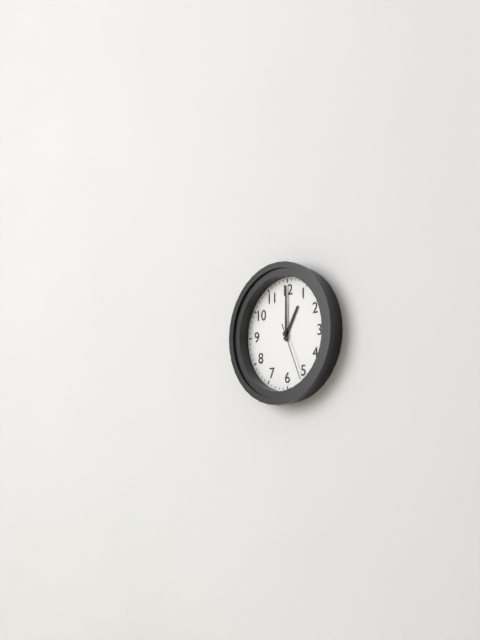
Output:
1.00.26
